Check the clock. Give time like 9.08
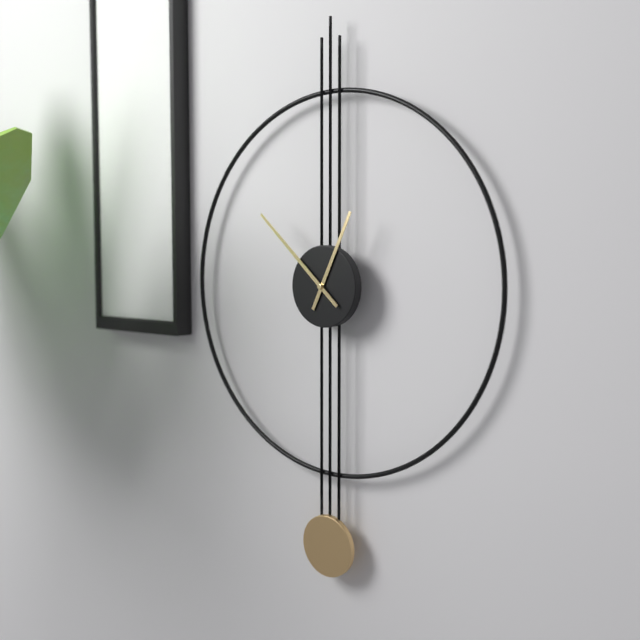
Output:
12.52
